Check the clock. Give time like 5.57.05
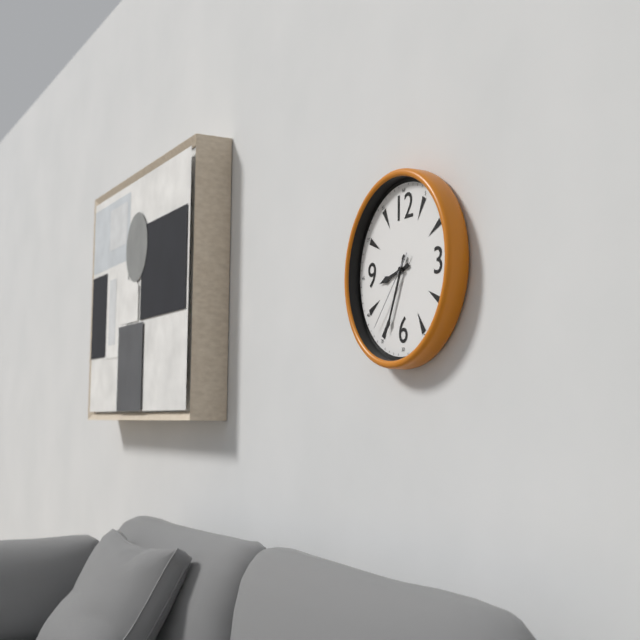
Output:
8.34.37
